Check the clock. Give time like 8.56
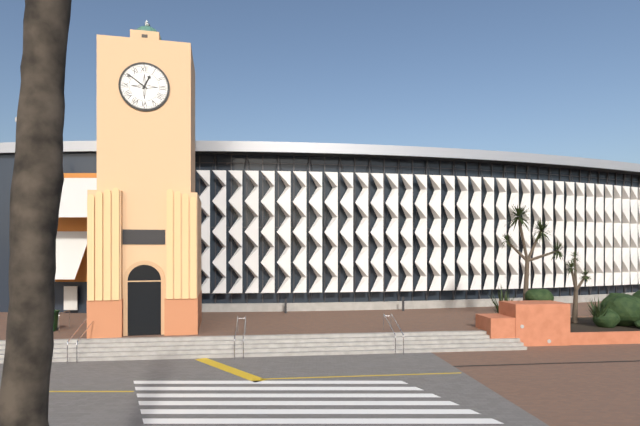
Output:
12.51
